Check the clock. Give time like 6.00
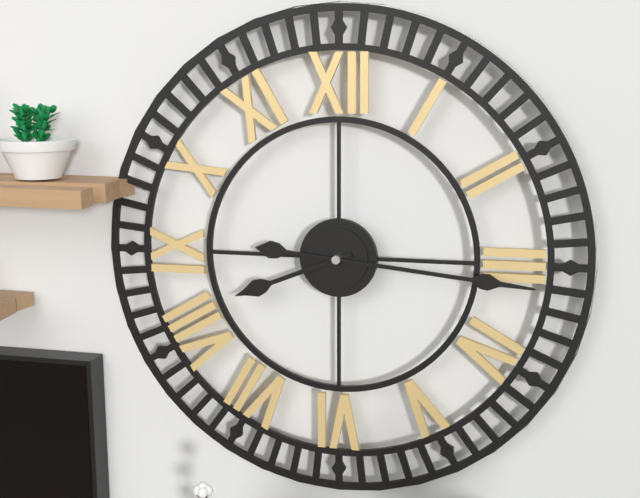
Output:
8.16
